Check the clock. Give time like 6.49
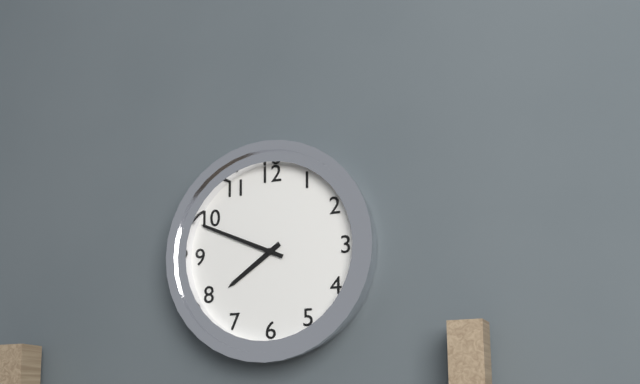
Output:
7.49
